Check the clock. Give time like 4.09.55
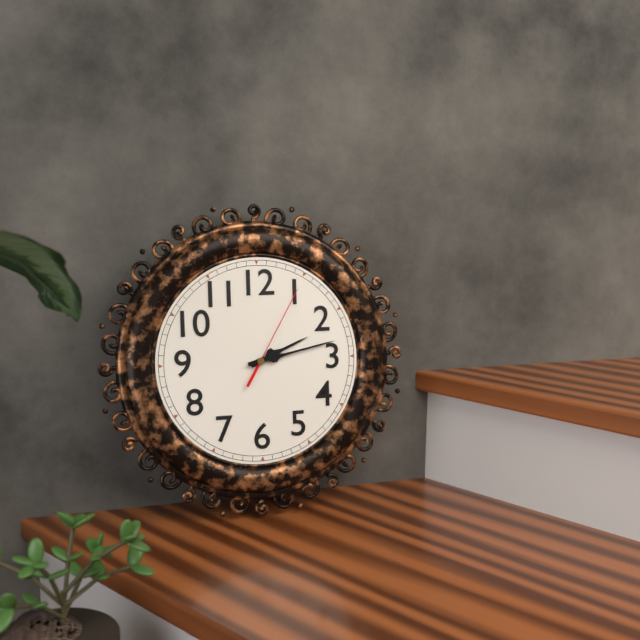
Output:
2.13.05
